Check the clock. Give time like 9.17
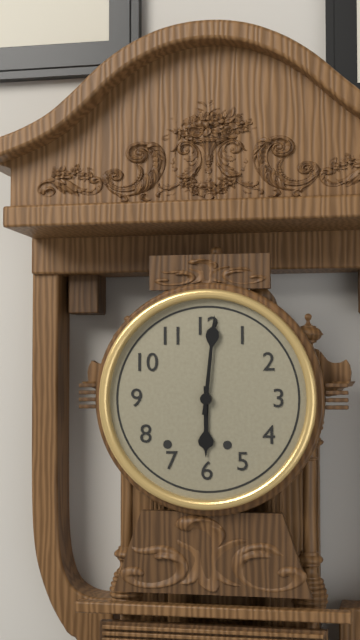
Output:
6.01
